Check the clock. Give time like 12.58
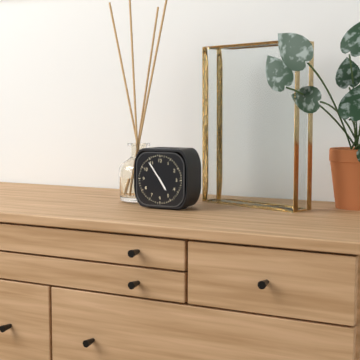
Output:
4.54
